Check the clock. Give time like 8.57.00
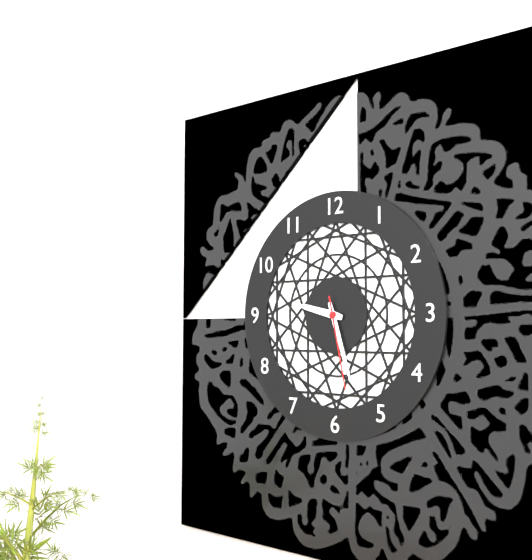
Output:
9.27.28
